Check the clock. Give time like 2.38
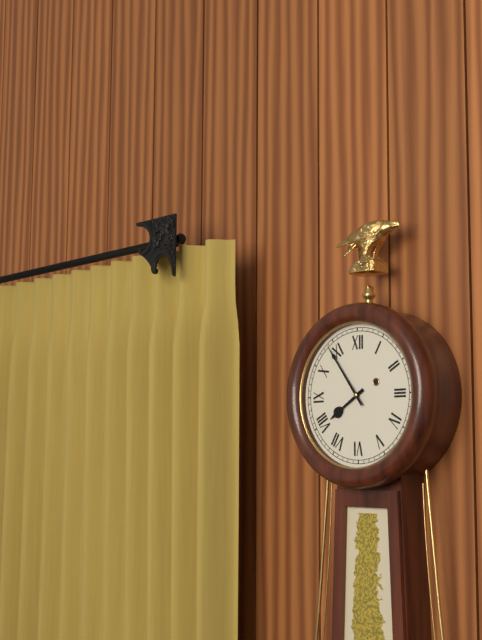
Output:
7.54
